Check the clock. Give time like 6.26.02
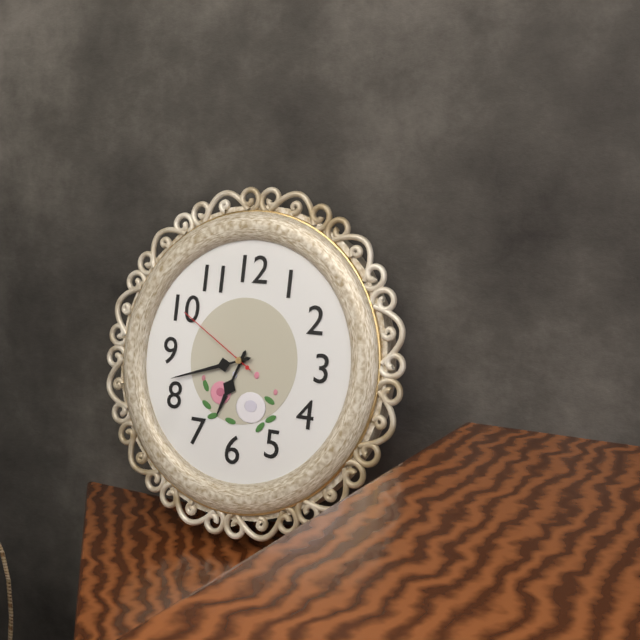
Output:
6.42.50
